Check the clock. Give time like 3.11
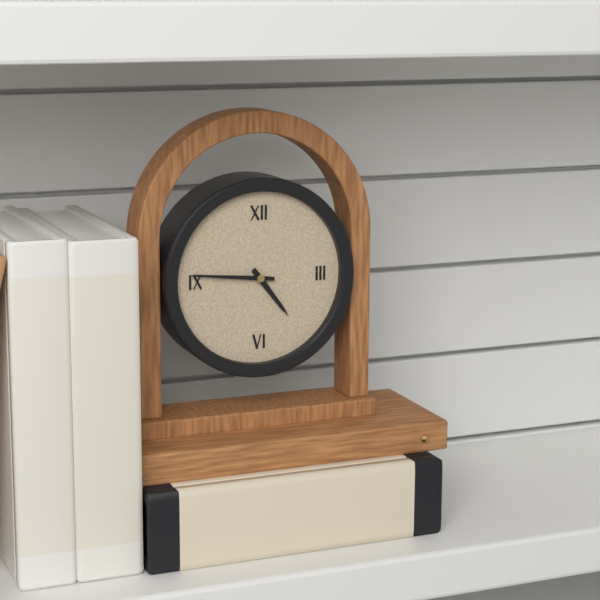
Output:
4.46
